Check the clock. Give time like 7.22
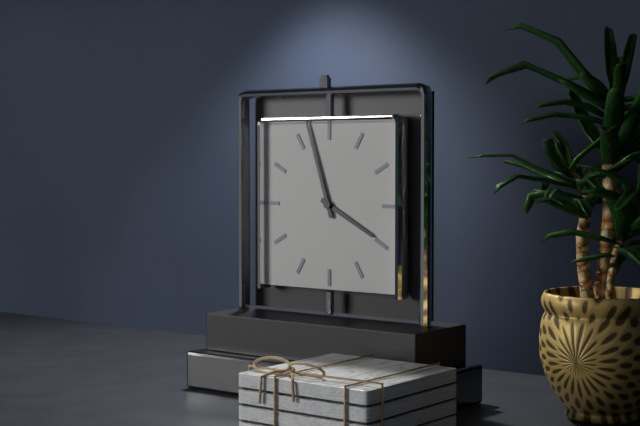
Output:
3.57
